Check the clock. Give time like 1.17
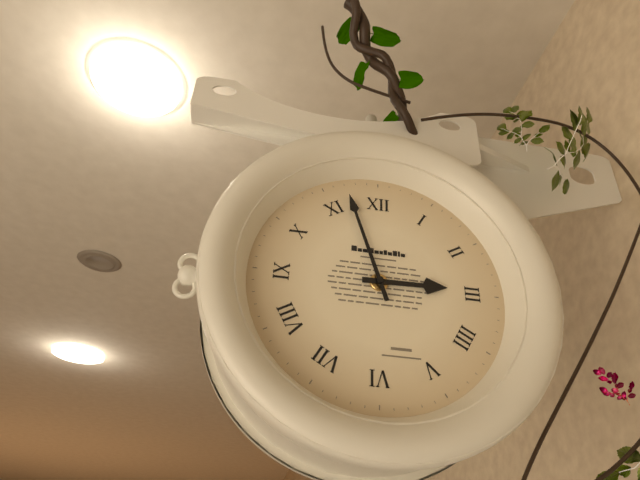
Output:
2.57
